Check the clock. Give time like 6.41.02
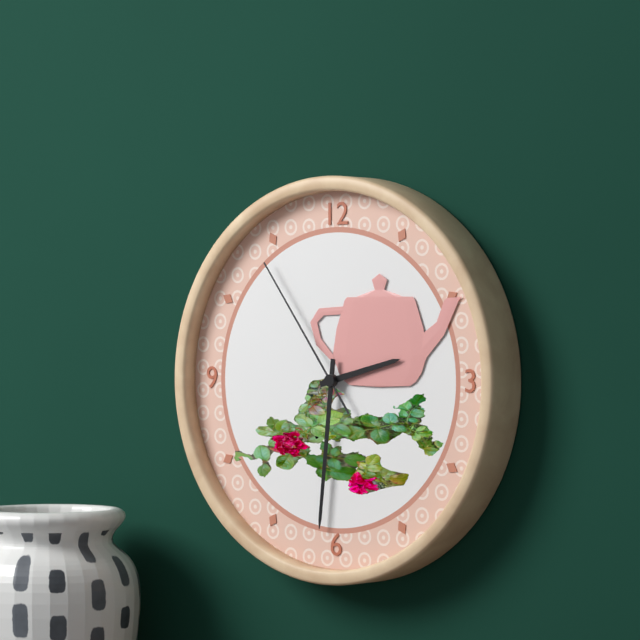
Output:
2.31.54
